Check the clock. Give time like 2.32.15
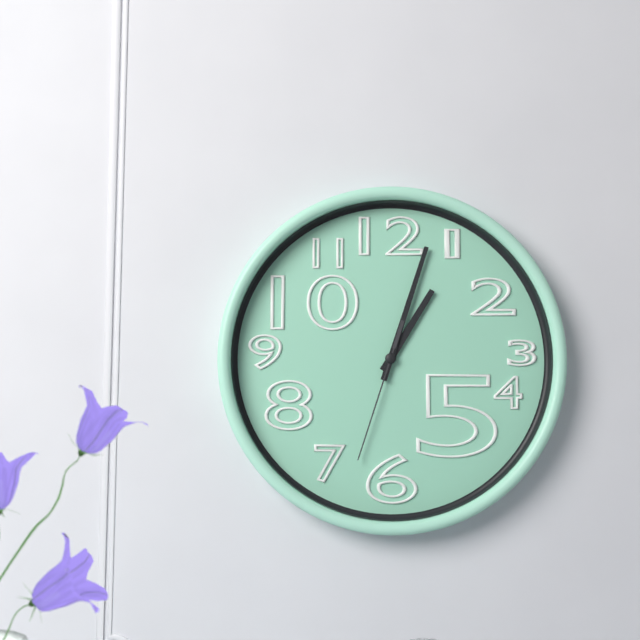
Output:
1.03.33
